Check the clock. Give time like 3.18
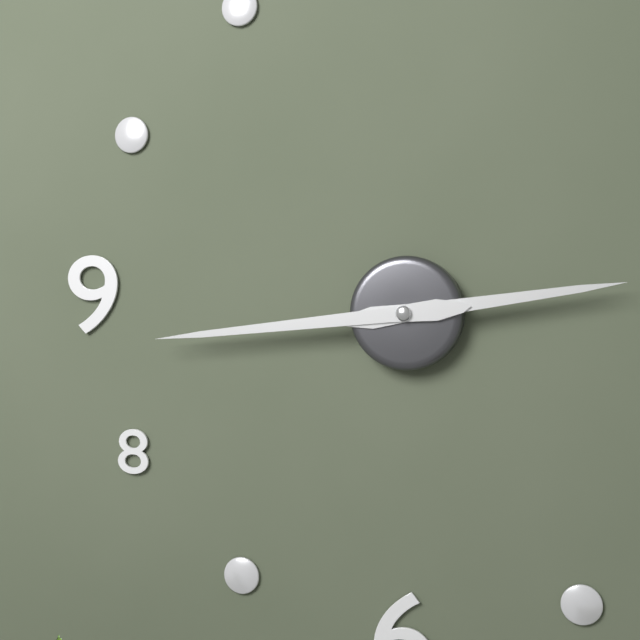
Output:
2.44
